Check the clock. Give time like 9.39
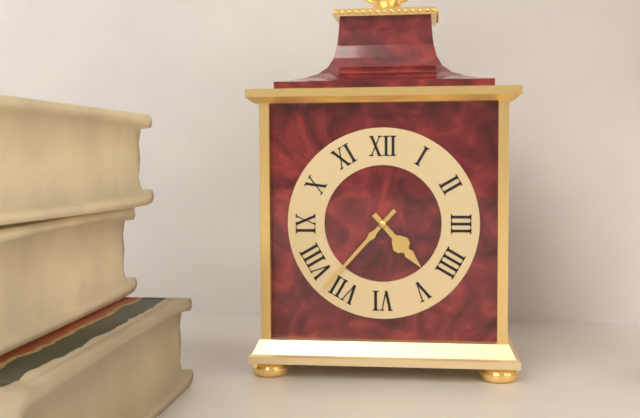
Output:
4.37
